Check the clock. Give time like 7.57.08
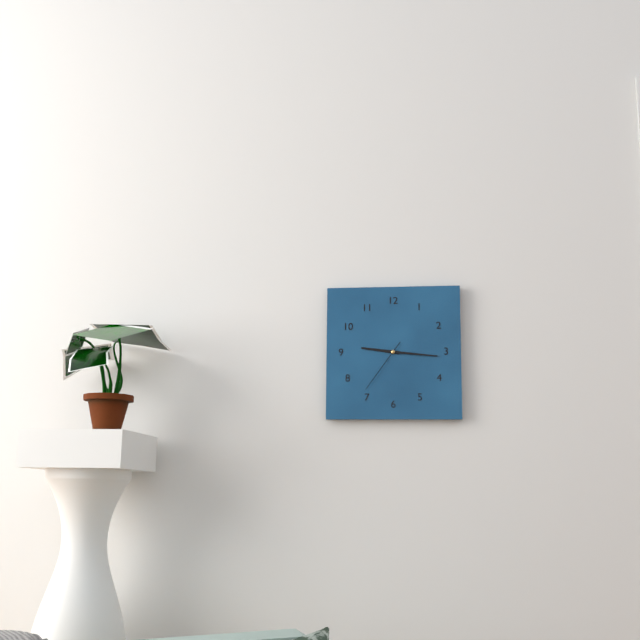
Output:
9.16.36
